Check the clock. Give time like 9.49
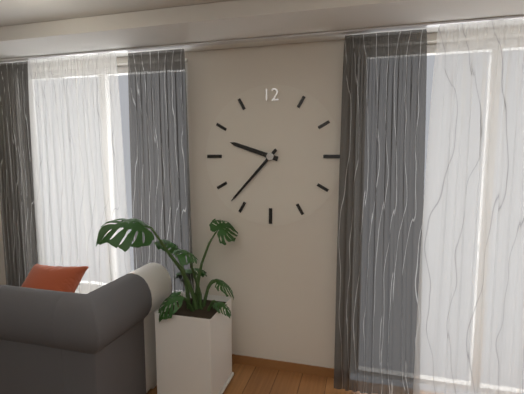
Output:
9.37
